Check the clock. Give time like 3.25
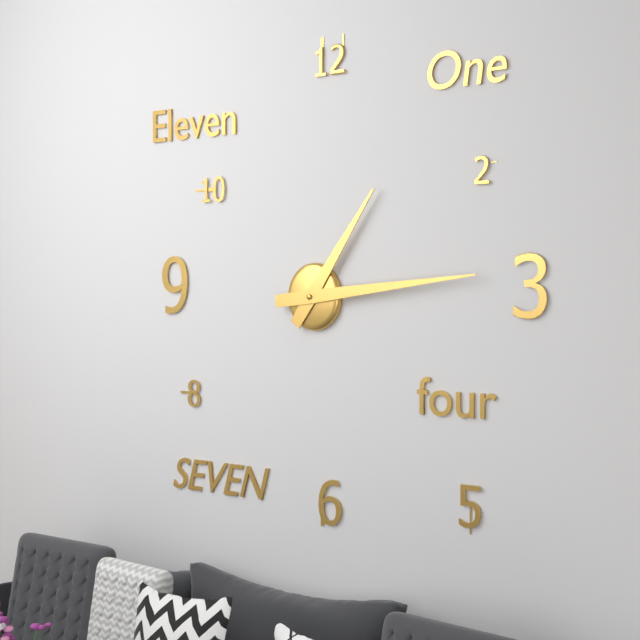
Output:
1.14
